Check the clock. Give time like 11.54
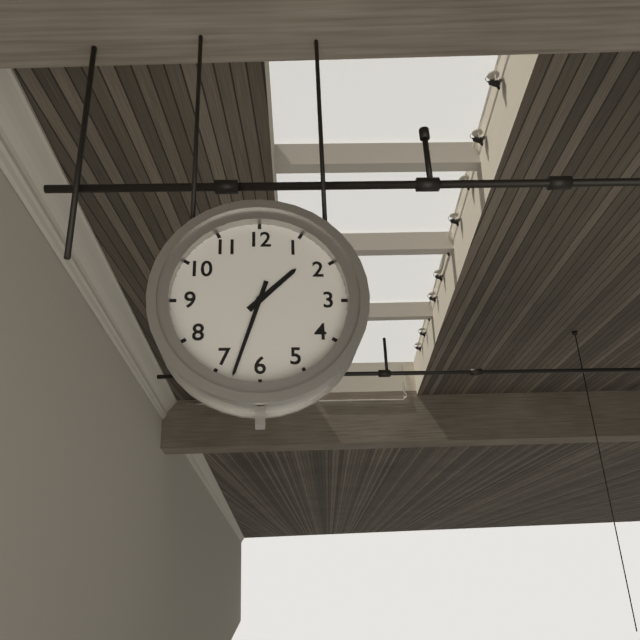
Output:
1.33
